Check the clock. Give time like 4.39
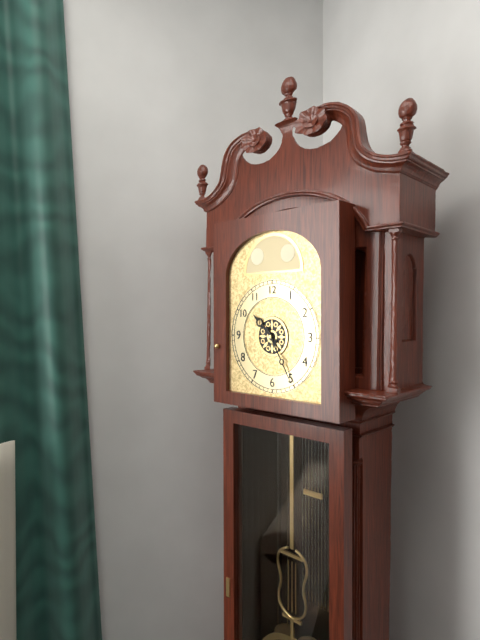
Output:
10.25
